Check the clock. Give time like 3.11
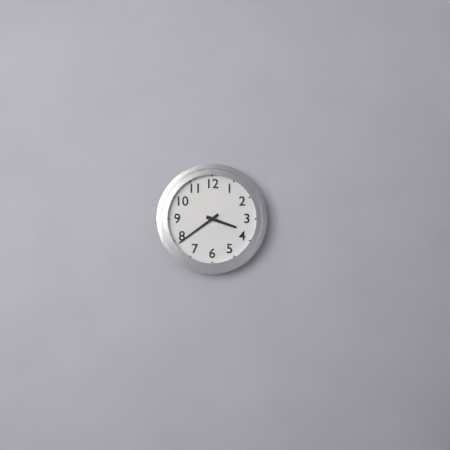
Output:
3.39
